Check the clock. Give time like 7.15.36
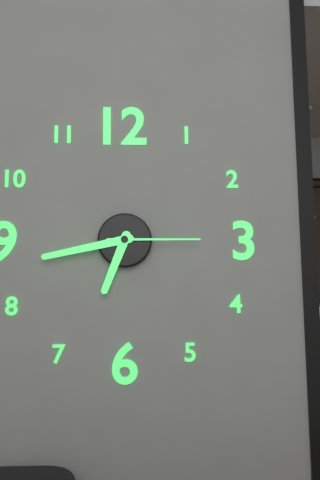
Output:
6.43.15
